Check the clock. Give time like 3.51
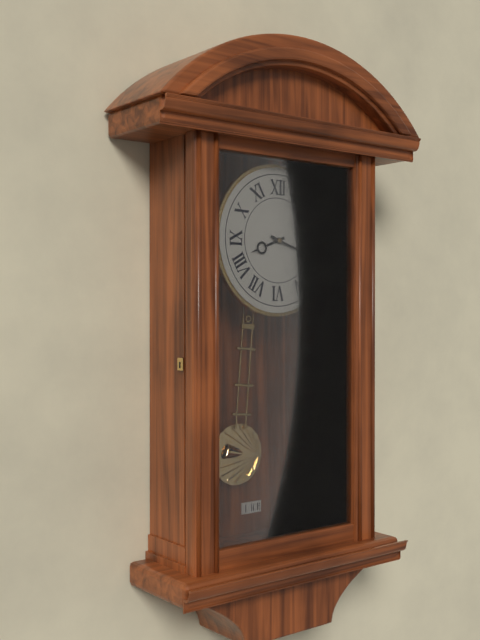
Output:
8.18
